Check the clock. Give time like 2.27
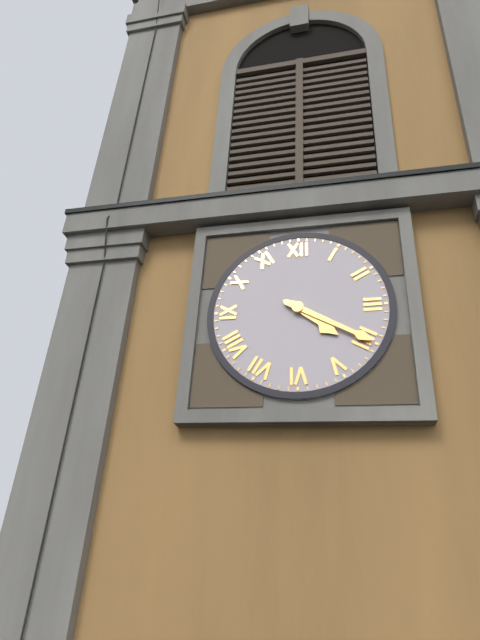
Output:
4.20
